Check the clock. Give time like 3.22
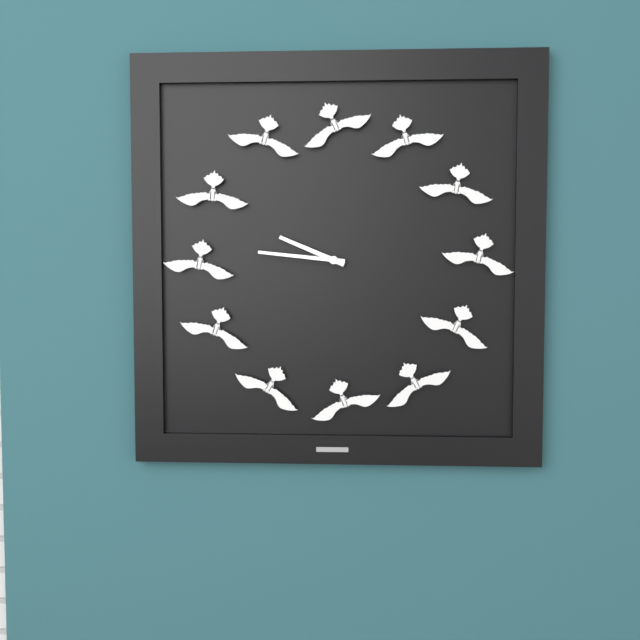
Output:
9.46
